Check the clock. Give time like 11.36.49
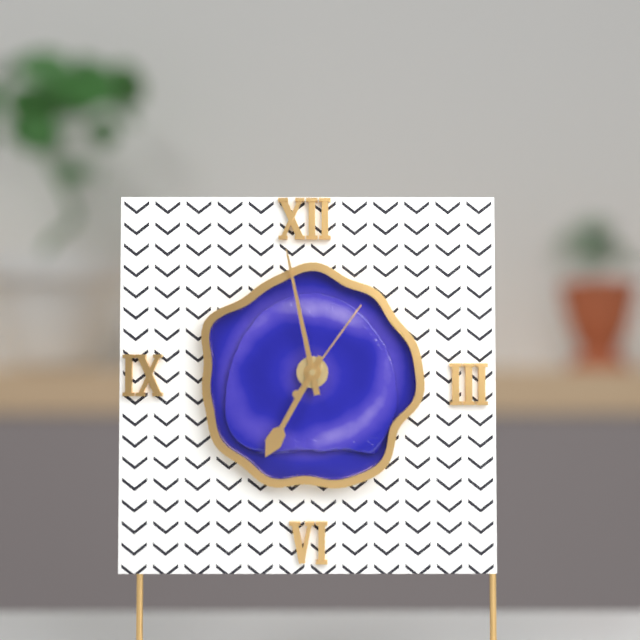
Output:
6.58.06
